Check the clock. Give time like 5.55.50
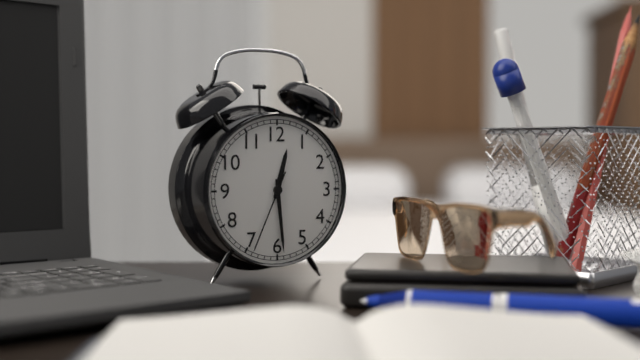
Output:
12.29.34
